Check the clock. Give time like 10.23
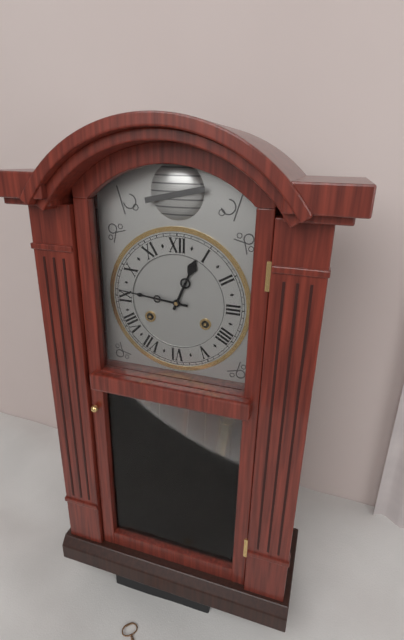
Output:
12.46
